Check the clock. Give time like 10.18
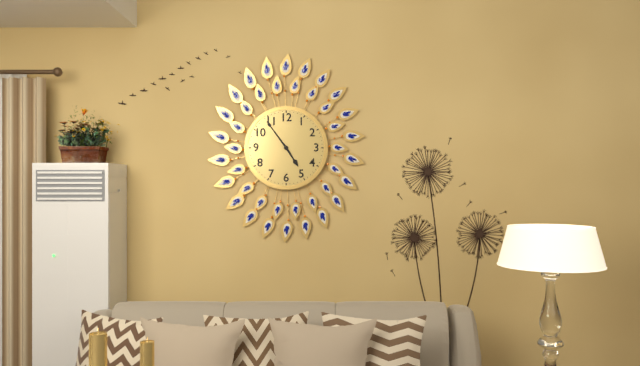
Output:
4.54
